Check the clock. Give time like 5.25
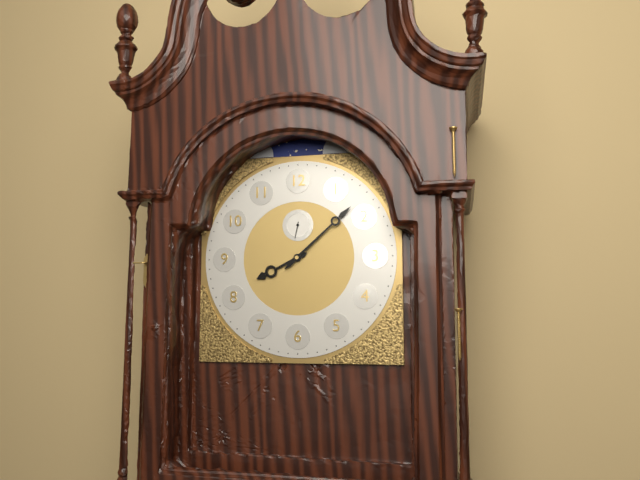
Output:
8.08
